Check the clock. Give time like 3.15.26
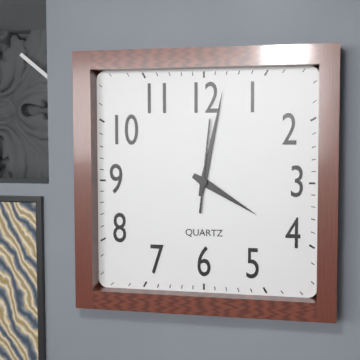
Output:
4.02.01
